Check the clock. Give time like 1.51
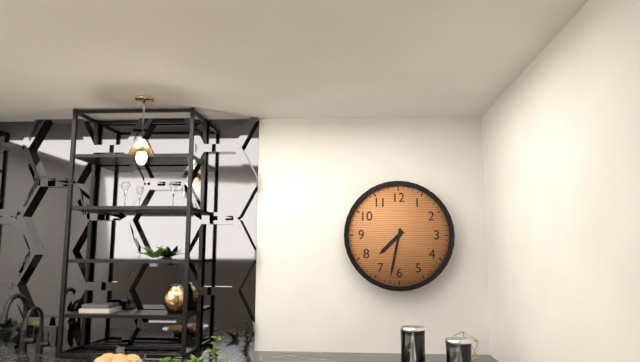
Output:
7.32
